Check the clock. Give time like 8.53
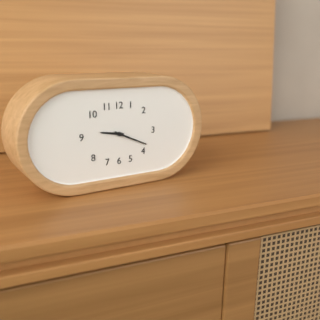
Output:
9.19
